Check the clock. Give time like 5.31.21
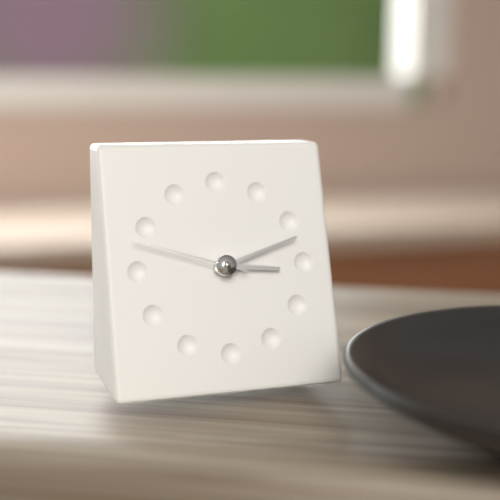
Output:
3.12.48
